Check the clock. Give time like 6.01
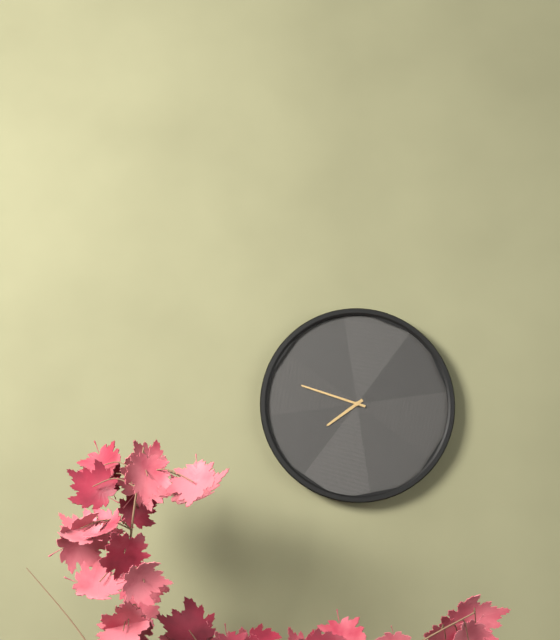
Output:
7.48
